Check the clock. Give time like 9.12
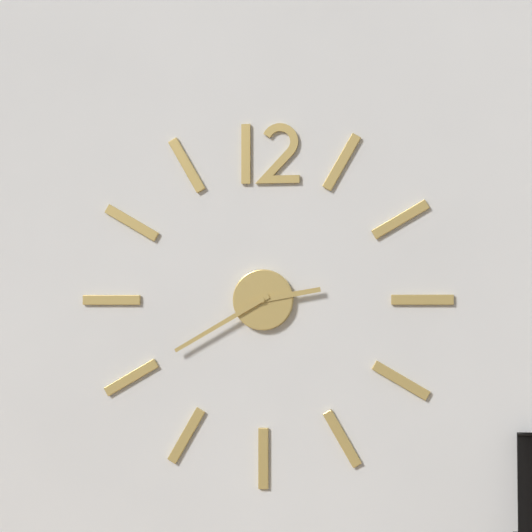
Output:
2.40
